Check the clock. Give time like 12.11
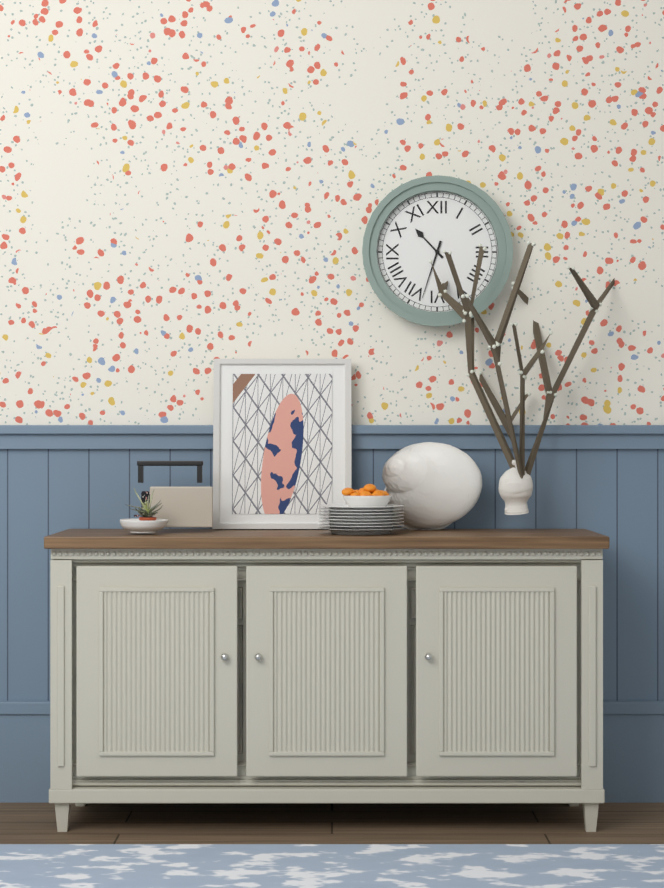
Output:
10.33
